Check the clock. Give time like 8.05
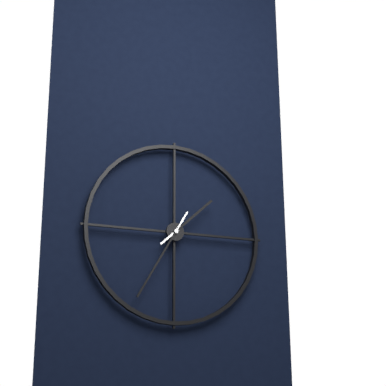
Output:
1.35
